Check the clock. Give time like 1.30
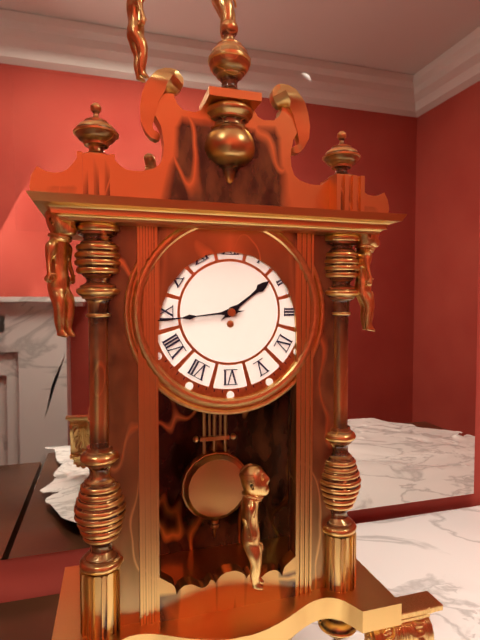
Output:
1.44
